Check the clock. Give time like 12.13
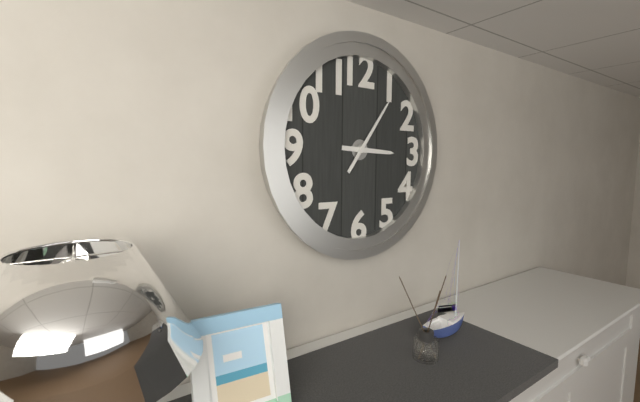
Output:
3.06
